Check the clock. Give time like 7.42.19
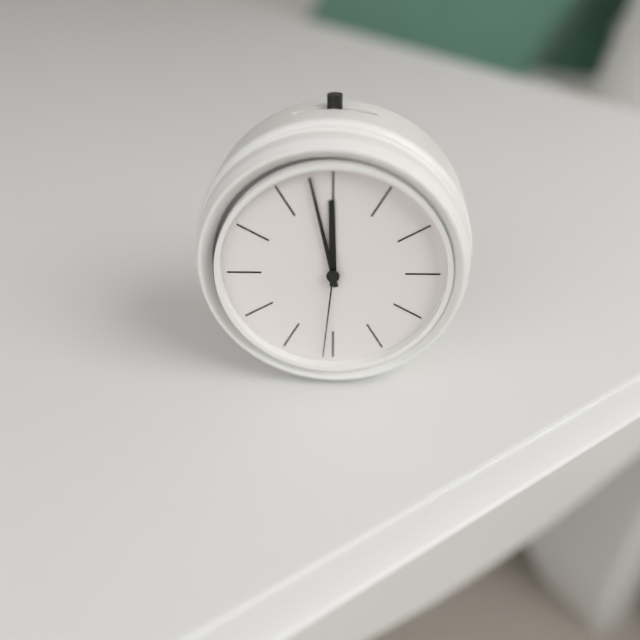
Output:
11.58.31
